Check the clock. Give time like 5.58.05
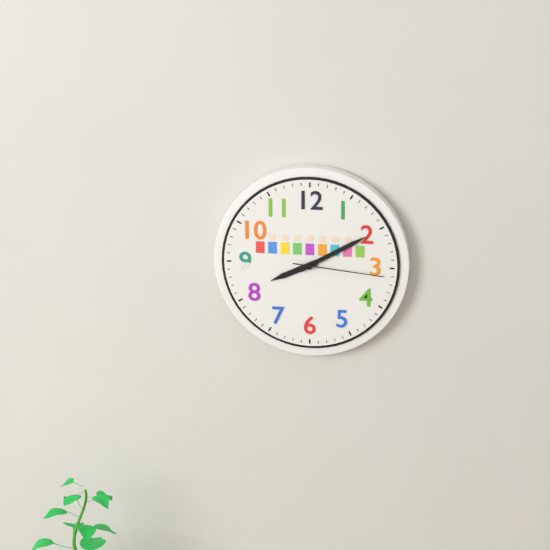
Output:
8.10.16
